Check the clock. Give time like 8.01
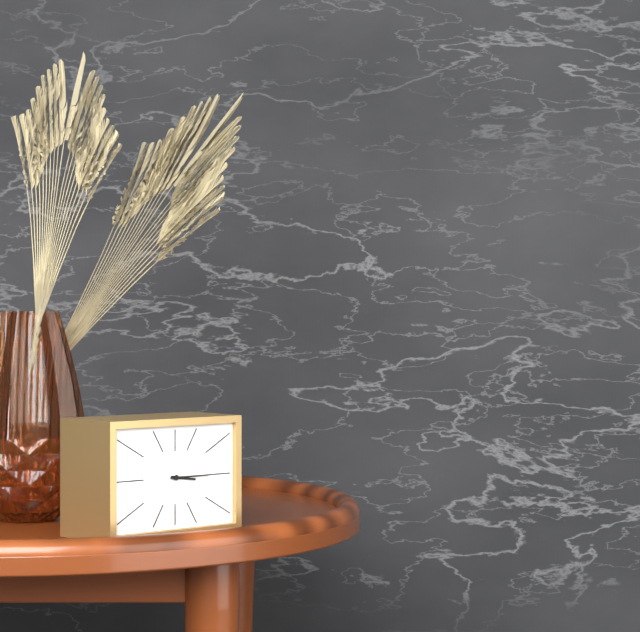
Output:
3.15
